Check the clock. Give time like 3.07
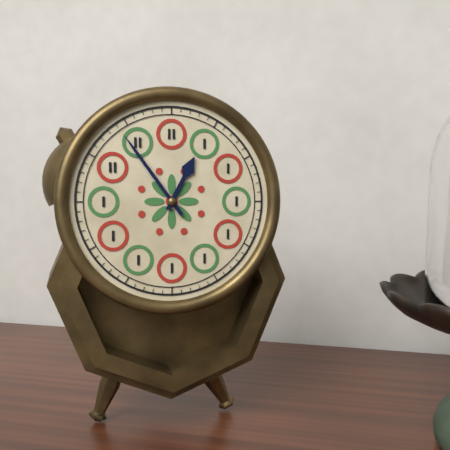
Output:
12.54
